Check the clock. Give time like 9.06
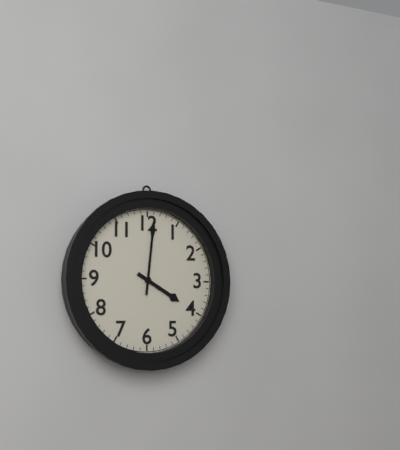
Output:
4.01
